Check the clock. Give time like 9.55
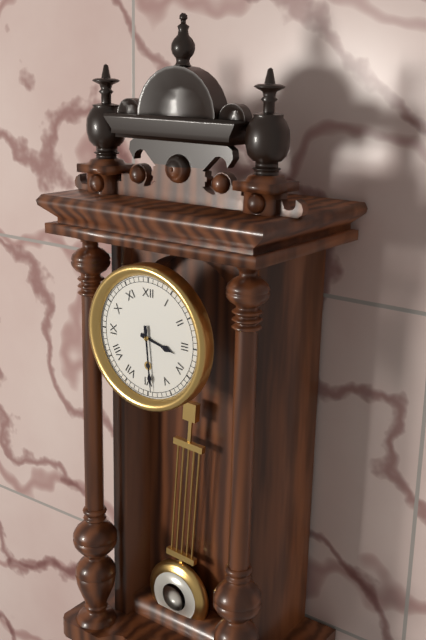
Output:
3.29
